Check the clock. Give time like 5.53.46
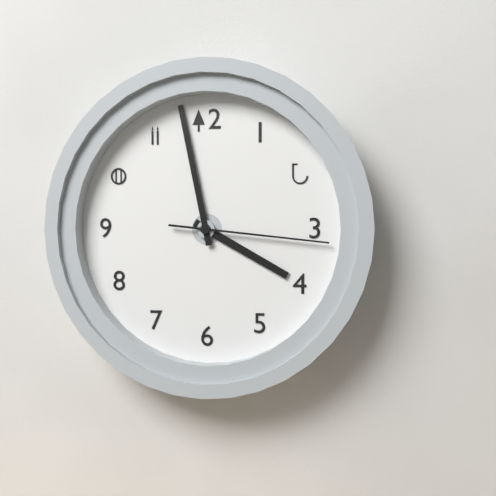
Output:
3.58.16
